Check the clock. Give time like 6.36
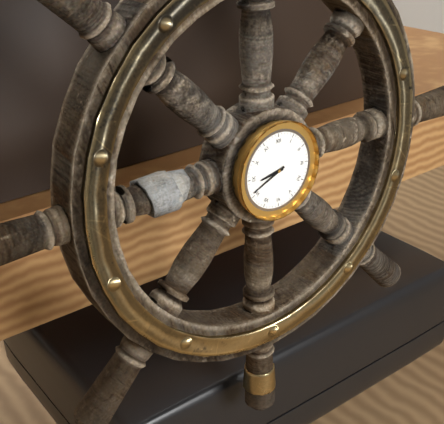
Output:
8.41
